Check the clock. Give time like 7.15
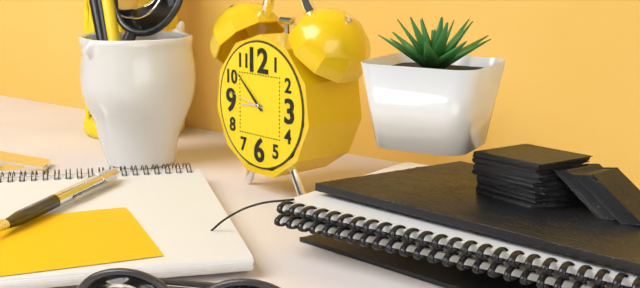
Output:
8.52
